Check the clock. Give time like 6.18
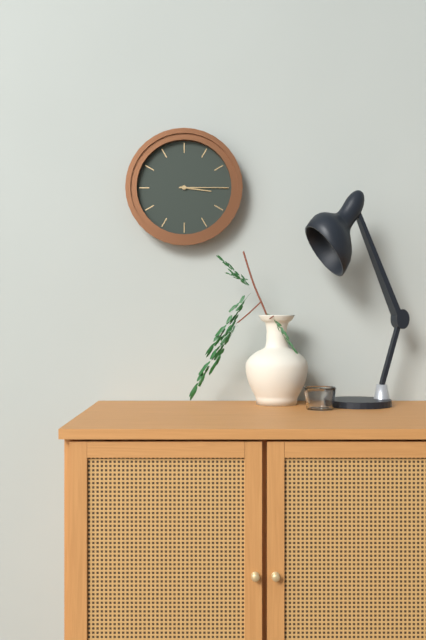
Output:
3.15
